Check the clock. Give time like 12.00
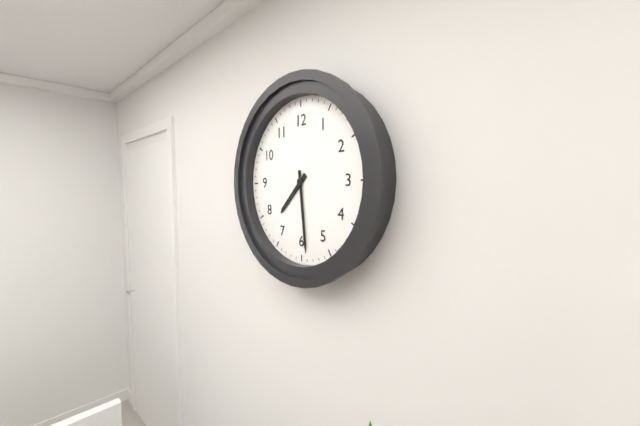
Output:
7.29
